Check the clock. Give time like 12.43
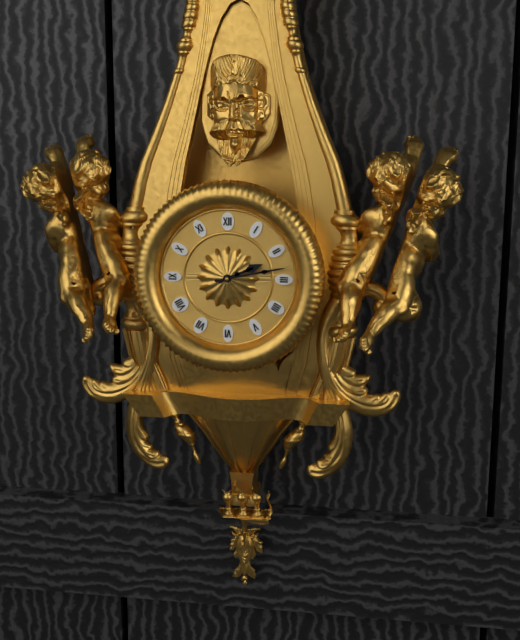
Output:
2.13
